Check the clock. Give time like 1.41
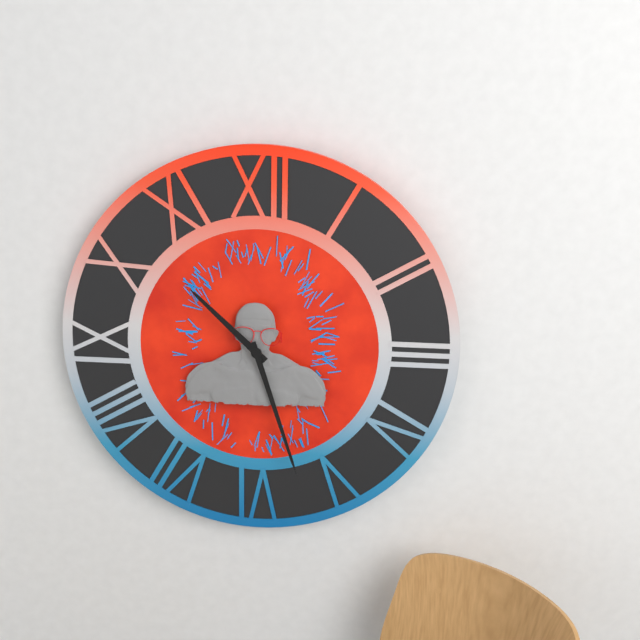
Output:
10.27
